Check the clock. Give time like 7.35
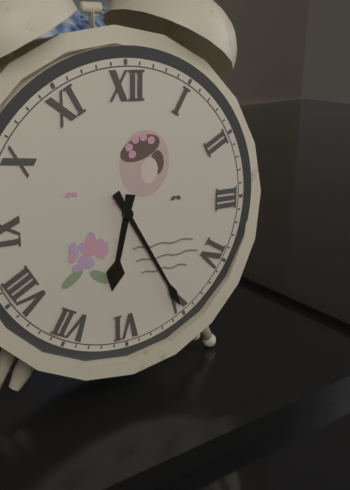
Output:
6.25
